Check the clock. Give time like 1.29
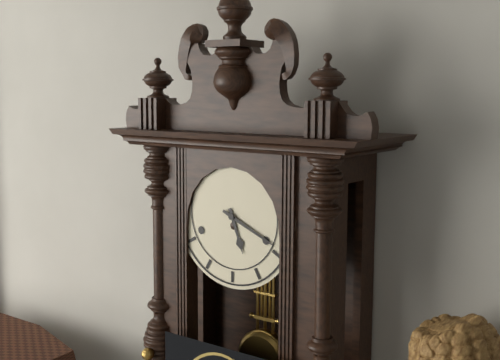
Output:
5.19
